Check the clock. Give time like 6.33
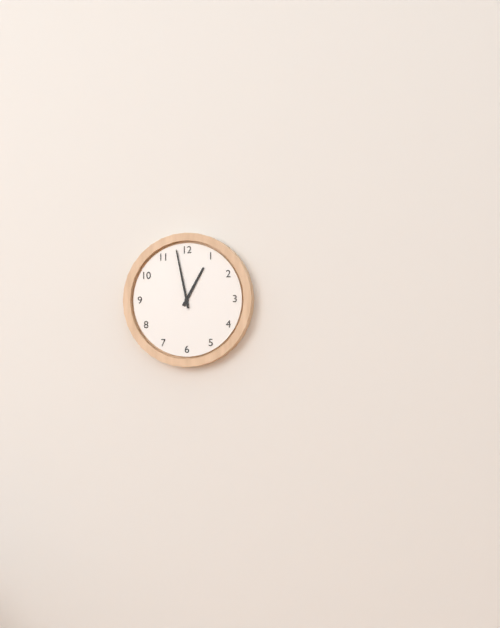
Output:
12.58
